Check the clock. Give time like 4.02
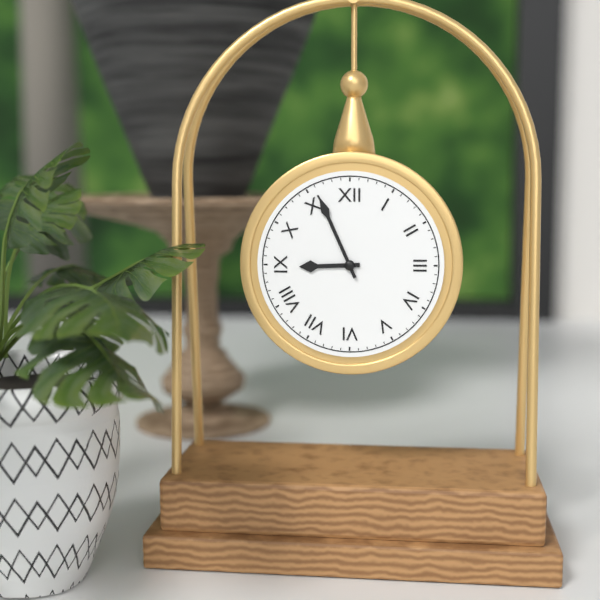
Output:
8.56
